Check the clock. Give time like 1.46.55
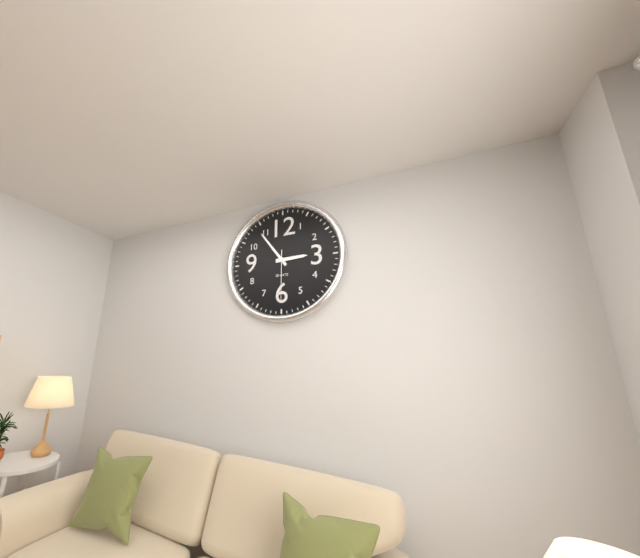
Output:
2.54.30
